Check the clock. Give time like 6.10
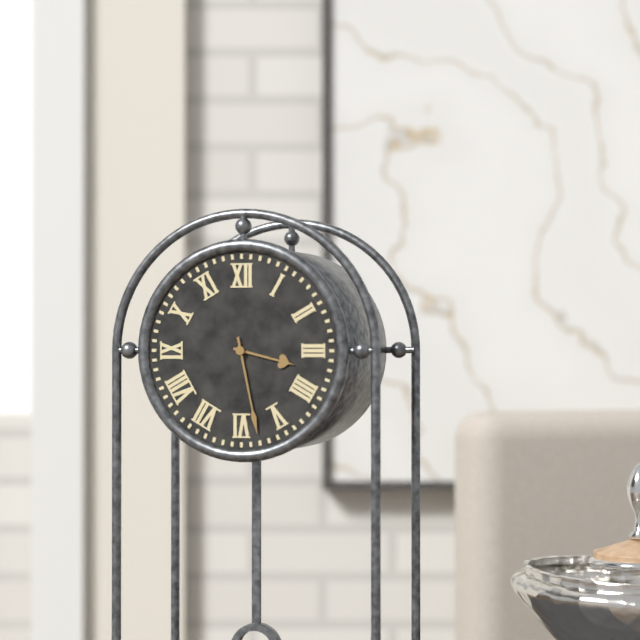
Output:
3.28
